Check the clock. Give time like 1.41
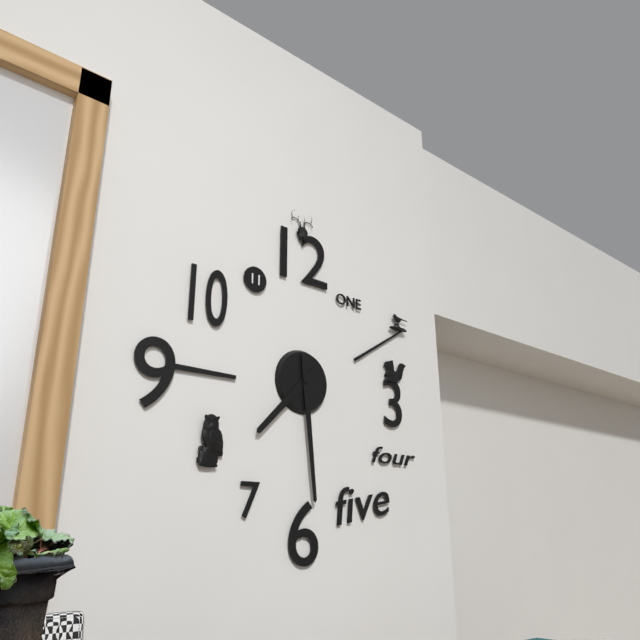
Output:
7.29
